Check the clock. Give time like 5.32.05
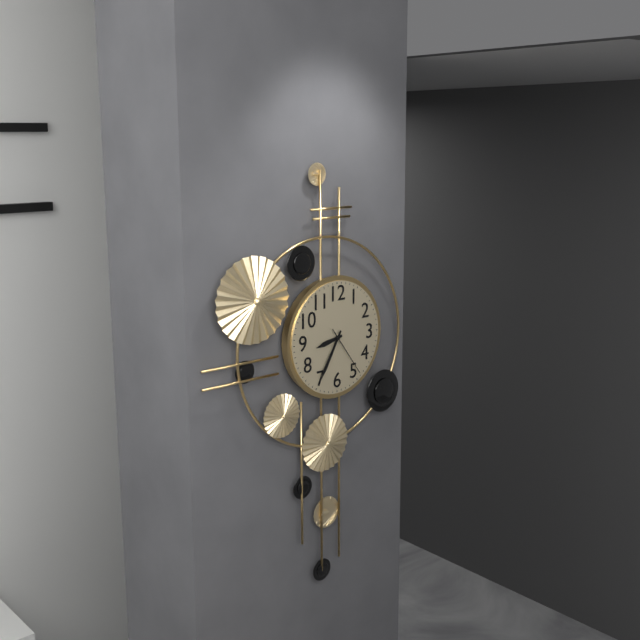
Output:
8.35.24
